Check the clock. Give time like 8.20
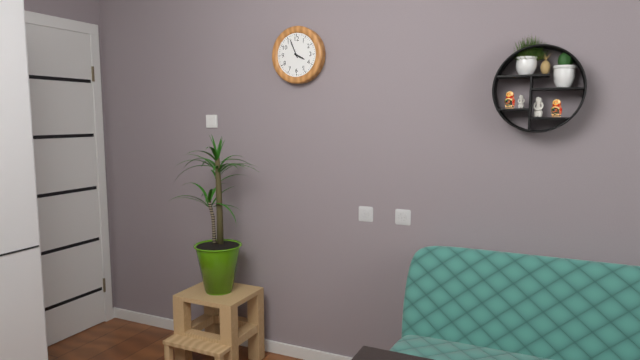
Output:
3.56
